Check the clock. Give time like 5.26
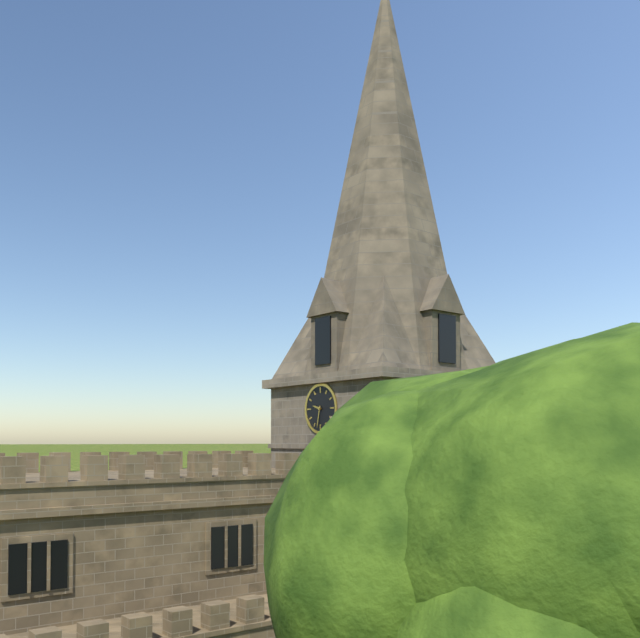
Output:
9.32
